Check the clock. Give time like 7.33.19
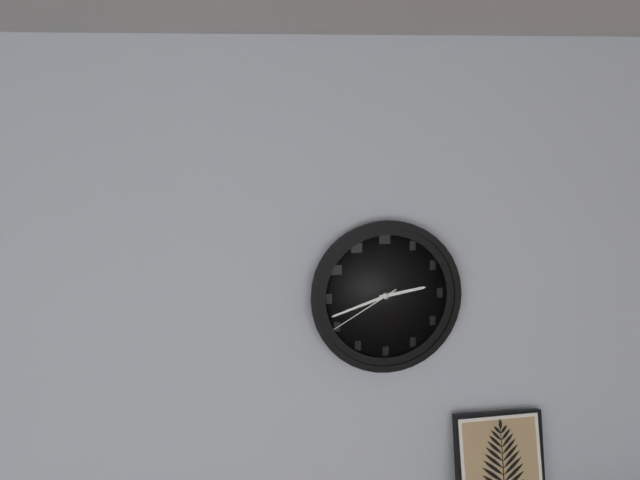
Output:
2.42.40
